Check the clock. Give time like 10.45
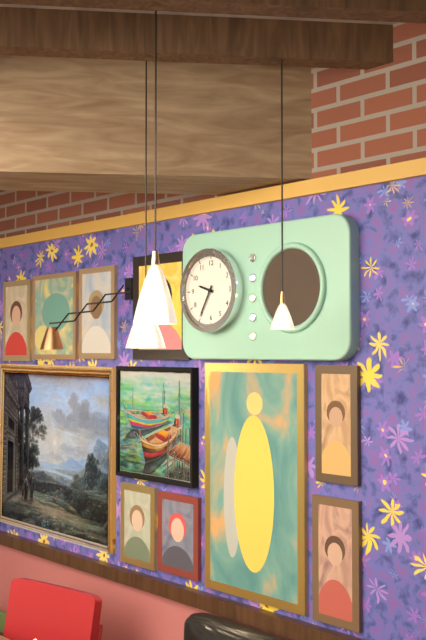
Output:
9.35
